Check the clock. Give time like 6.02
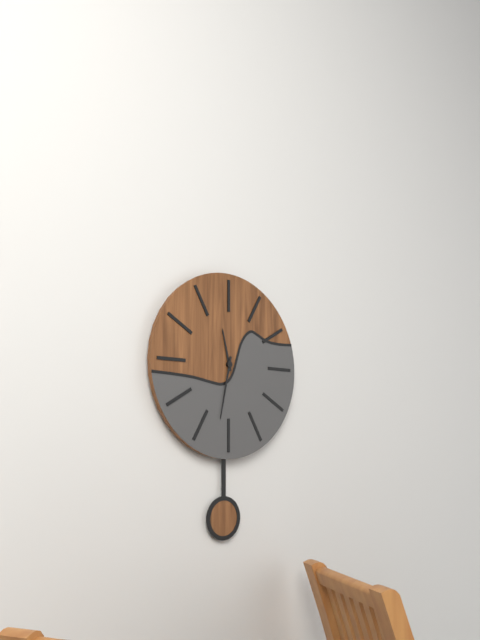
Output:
11.32
